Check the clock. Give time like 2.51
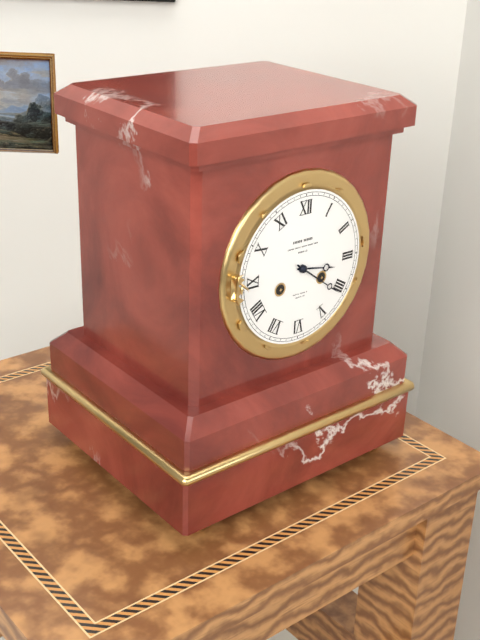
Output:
3.21
